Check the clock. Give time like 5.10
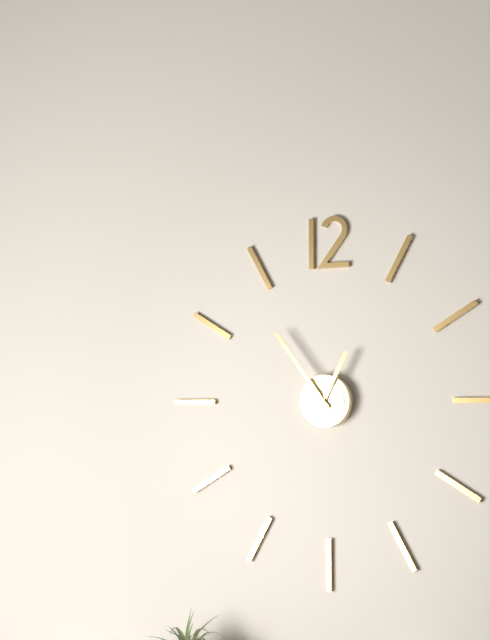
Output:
12.54
